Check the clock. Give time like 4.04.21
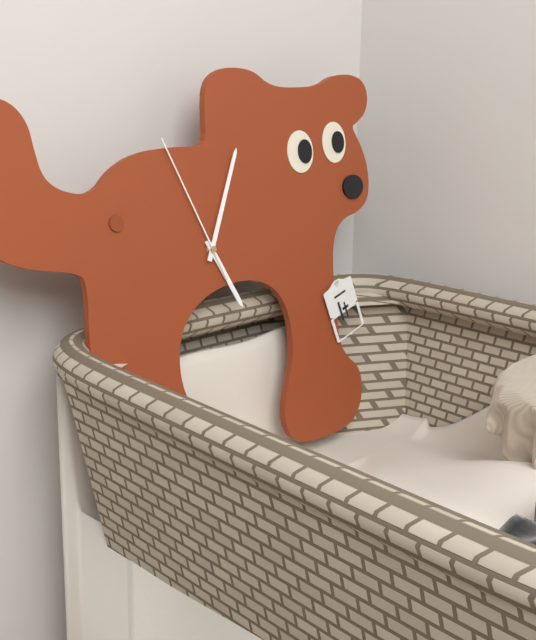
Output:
5.04.56
